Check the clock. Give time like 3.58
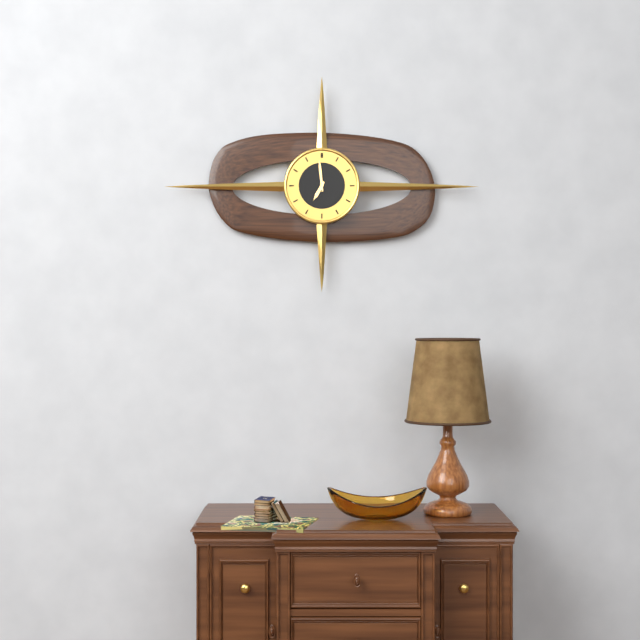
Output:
6.59
